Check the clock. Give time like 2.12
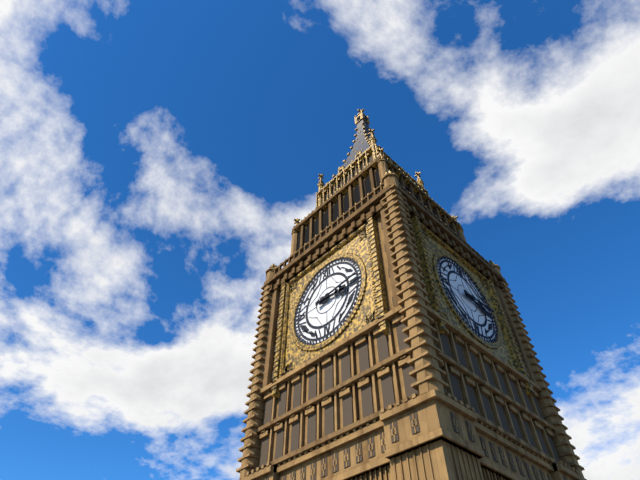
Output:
3.14
